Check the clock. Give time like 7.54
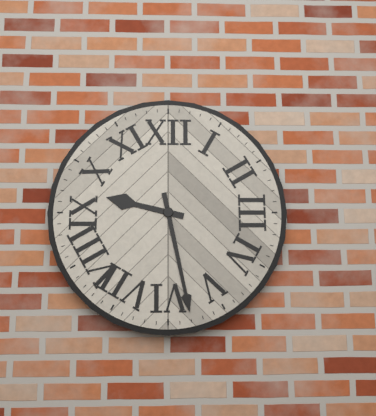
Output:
9.28
